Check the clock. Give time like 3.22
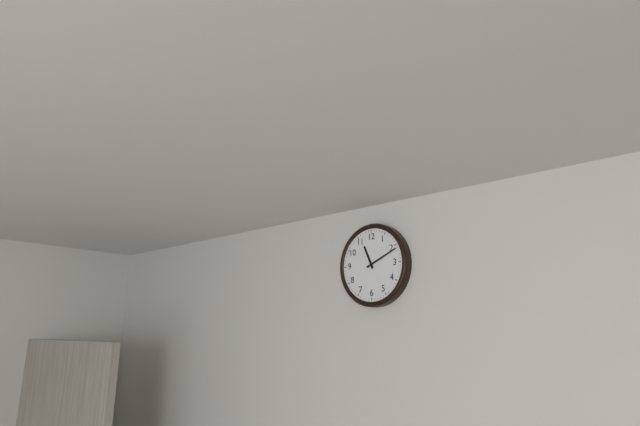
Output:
11.11
